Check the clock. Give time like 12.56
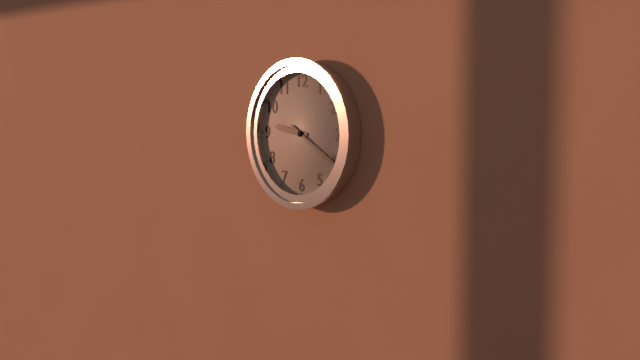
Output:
9.20
